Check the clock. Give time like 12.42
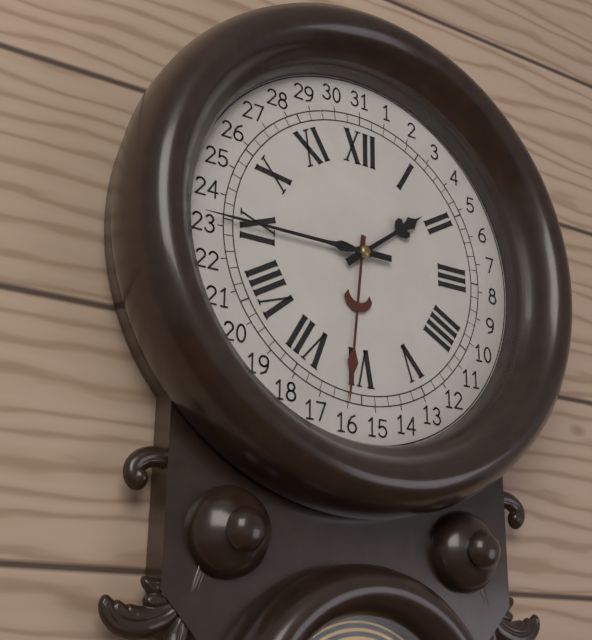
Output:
1.45
